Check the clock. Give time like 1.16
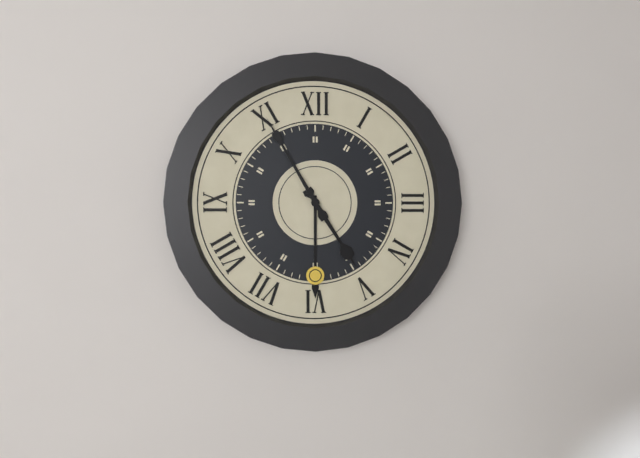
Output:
4.55
